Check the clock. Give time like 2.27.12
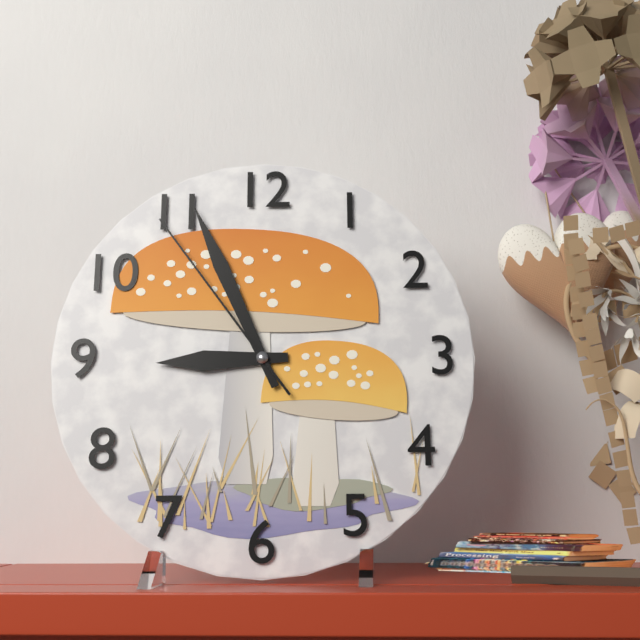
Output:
8.56.54
